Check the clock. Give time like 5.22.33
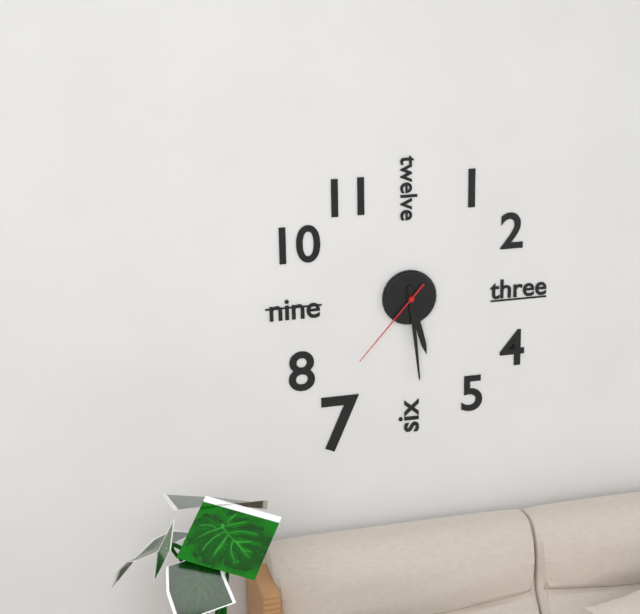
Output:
5.29.37
